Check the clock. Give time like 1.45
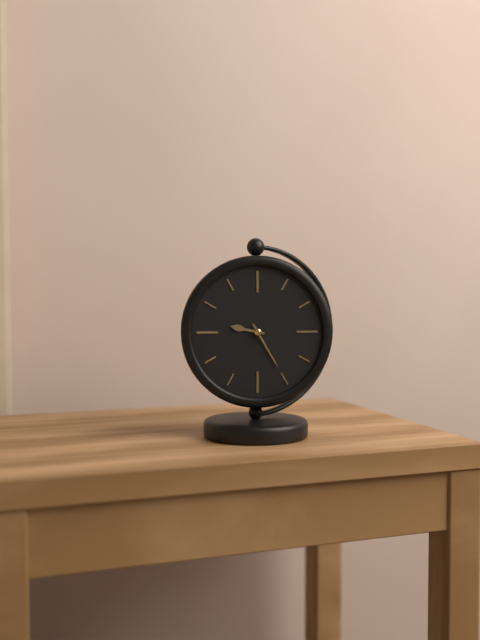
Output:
9.25
